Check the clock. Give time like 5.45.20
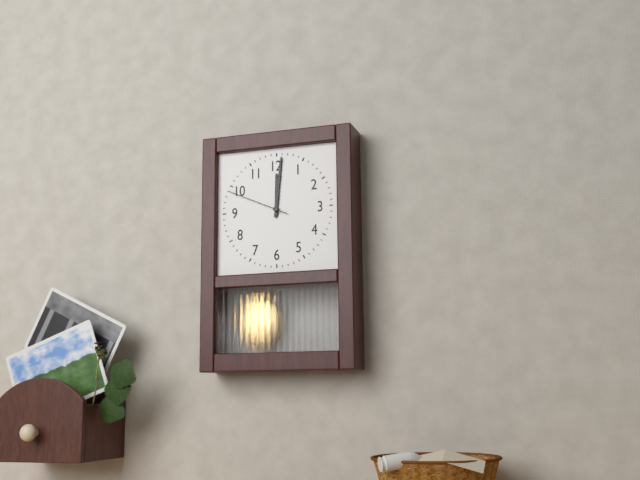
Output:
12.01.49
